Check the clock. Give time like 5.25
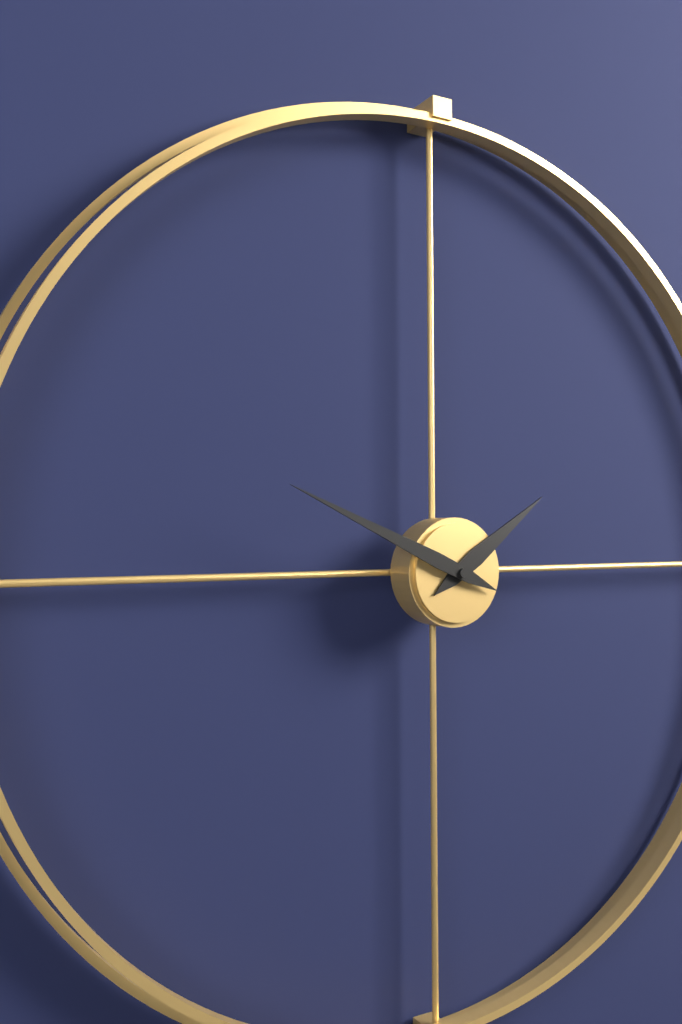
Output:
1.49
